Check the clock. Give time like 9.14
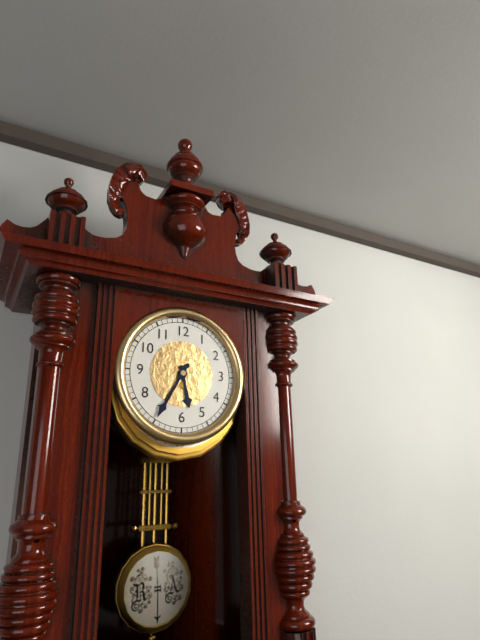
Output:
5.35
